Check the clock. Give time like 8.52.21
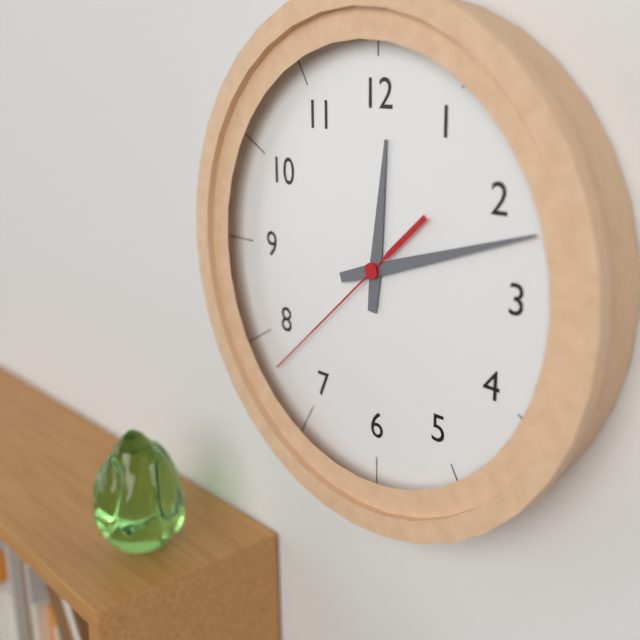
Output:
12.12.38
